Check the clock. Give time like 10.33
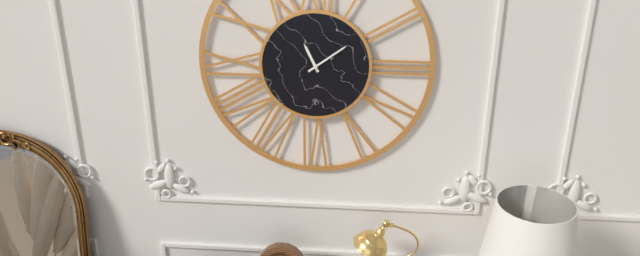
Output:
11.09
